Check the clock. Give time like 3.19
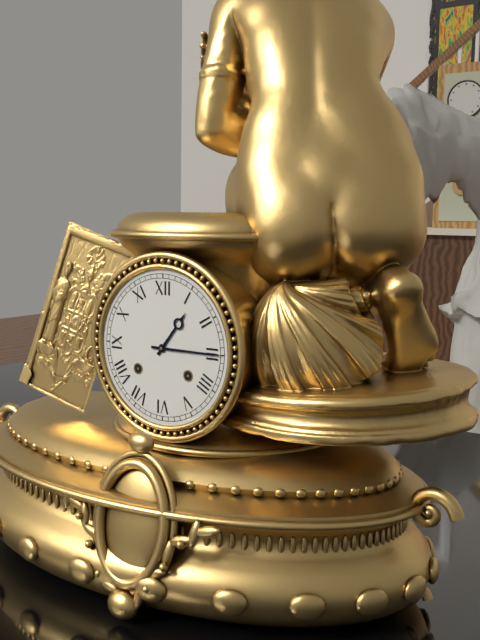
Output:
1.15
